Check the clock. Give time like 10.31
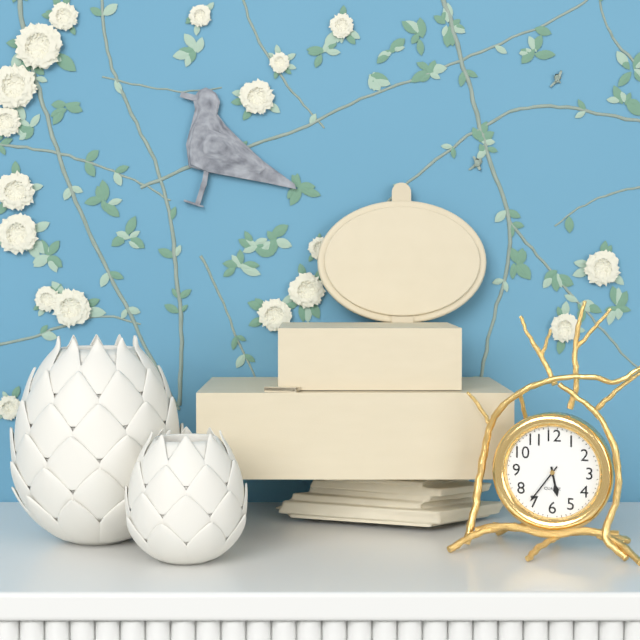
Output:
5.36
